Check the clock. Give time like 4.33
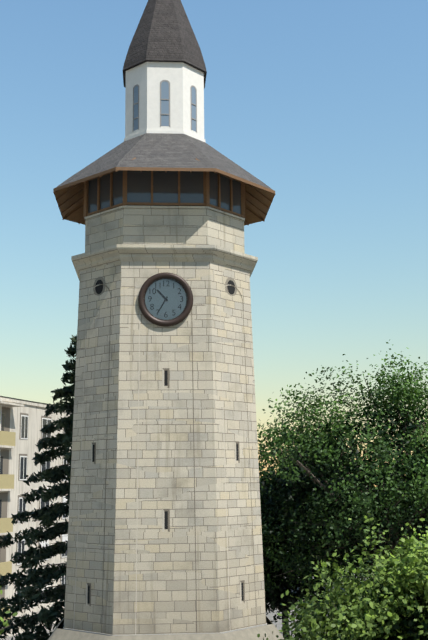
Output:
10.35
